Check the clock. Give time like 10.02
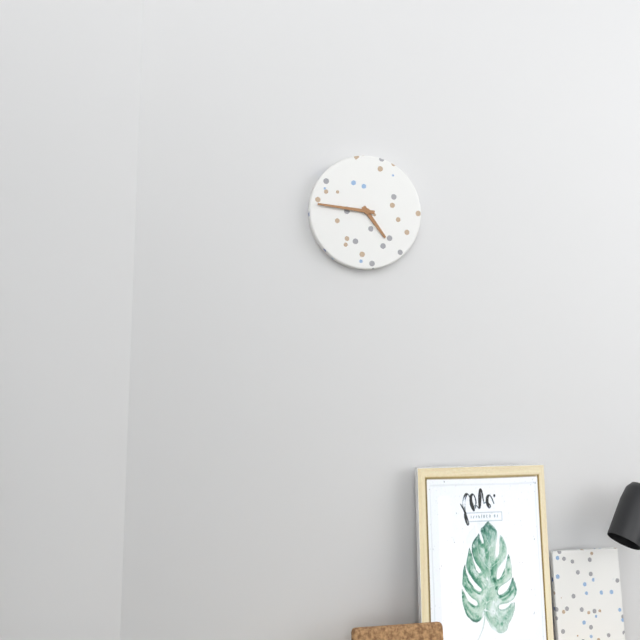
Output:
4.46
